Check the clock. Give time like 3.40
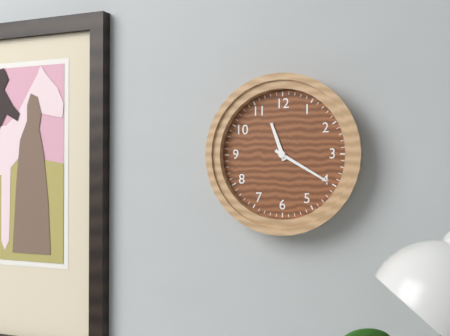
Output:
11.20
